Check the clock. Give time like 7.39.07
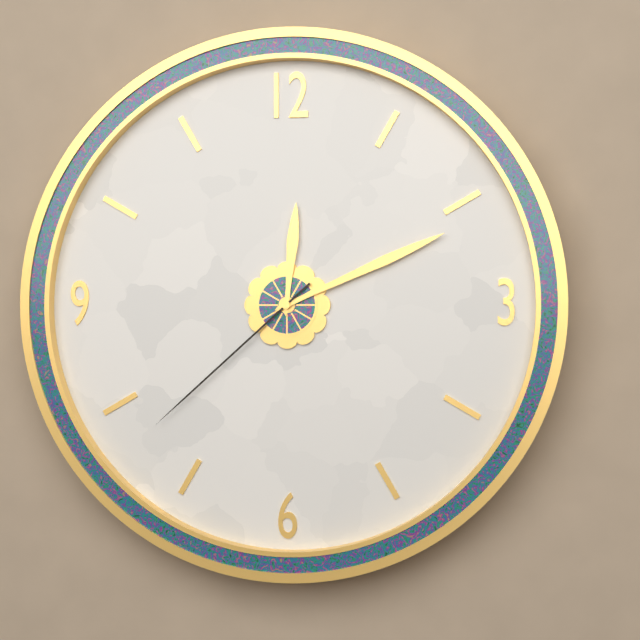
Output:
12.11.38
